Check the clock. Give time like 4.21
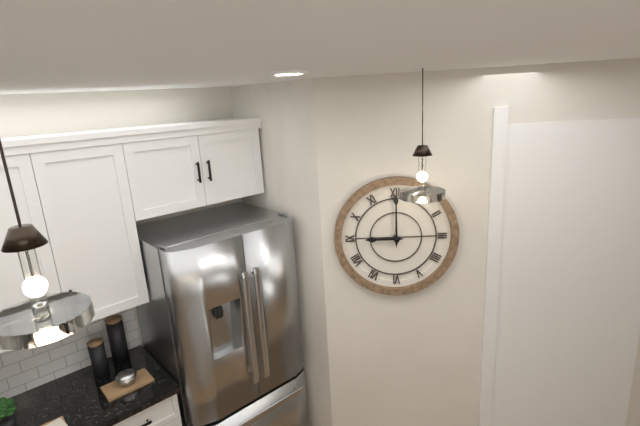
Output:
9.00
